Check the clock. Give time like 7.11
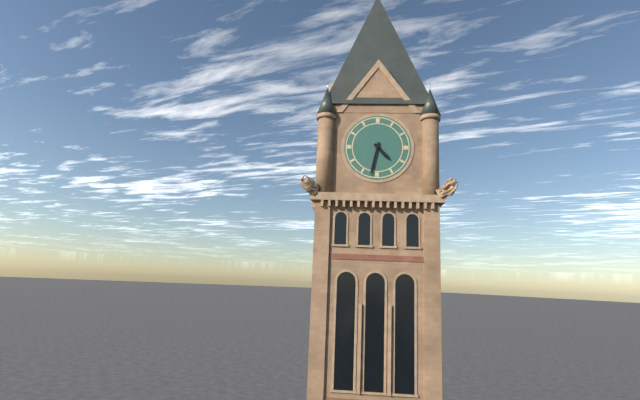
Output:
4.32
